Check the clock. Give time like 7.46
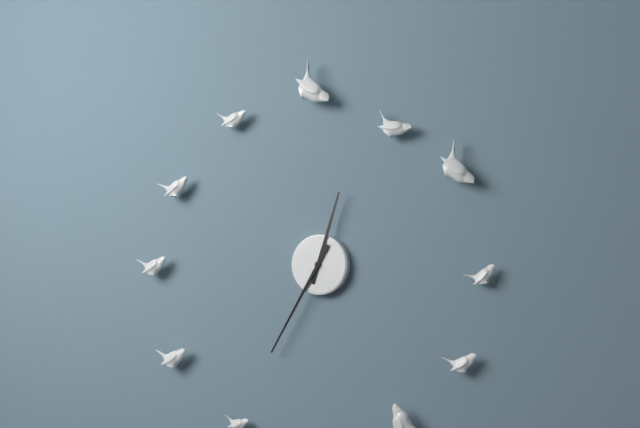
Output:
12.35
